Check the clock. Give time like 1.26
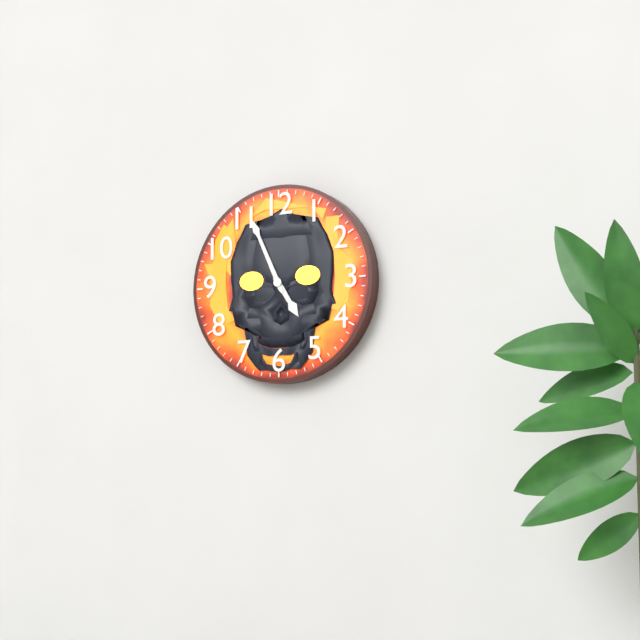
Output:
4.56
